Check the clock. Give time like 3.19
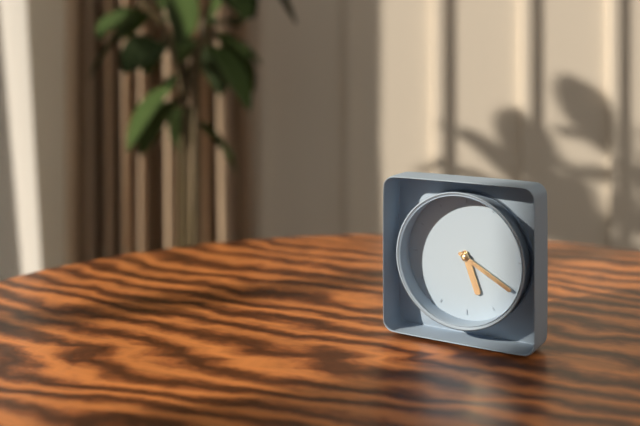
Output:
5.20
